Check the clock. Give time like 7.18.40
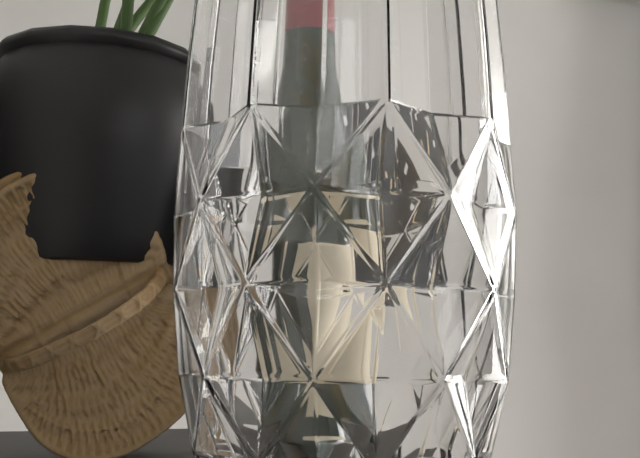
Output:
12.03.33
